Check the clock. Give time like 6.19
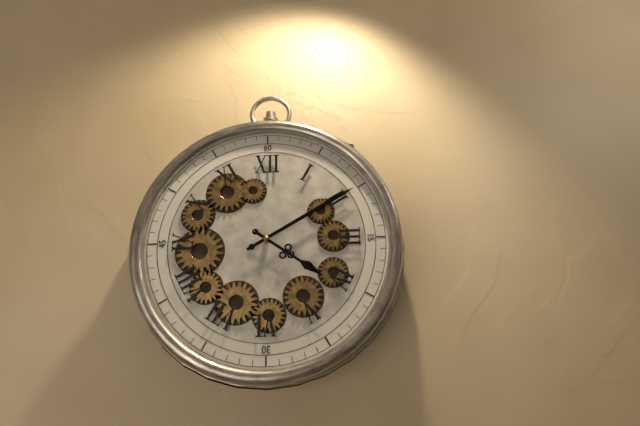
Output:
4.10
